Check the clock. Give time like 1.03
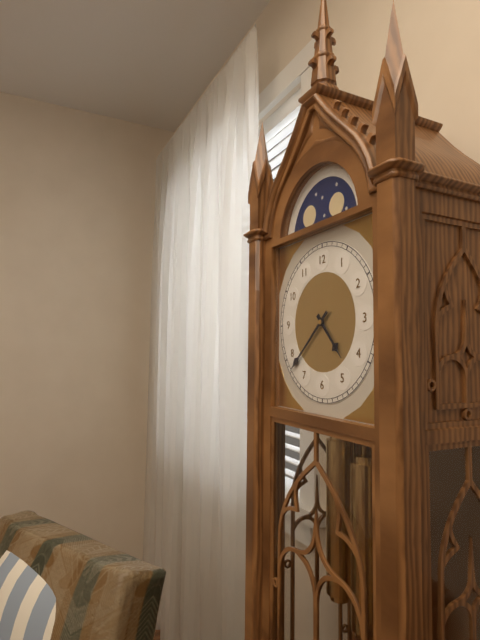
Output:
4.38
